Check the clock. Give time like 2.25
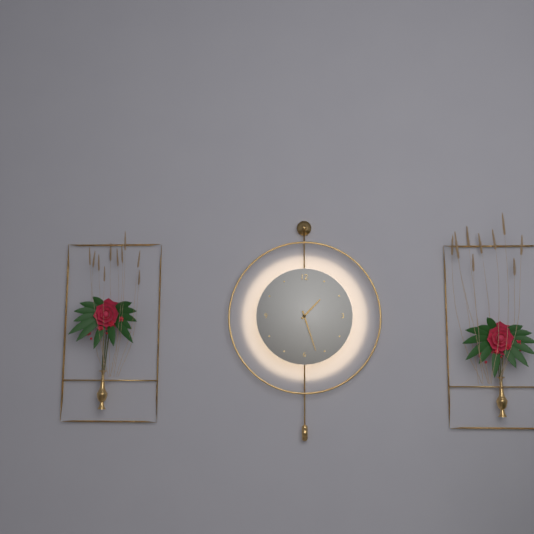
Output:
1.27
